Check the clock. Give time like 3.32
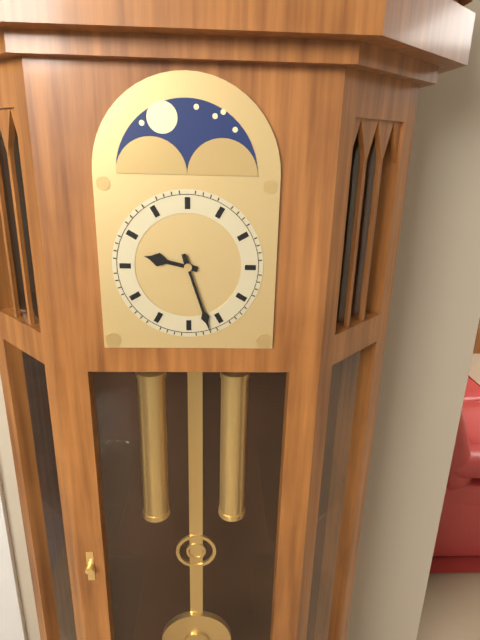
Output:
9.27
